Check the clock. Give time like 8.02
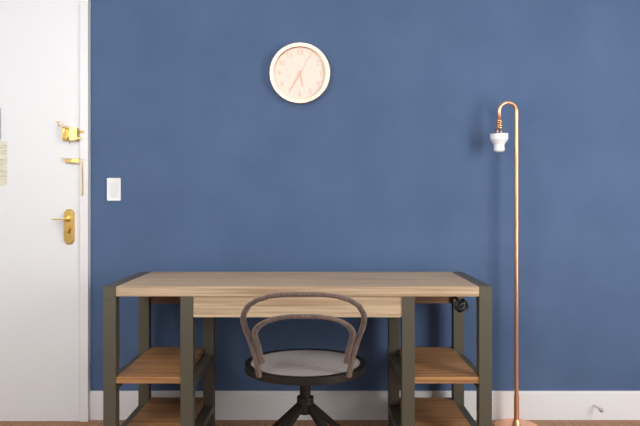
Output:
5.35
